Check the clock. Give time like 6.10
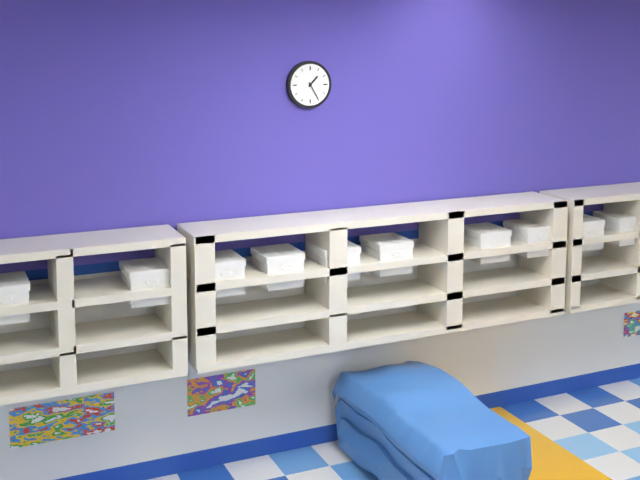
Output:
1.25
